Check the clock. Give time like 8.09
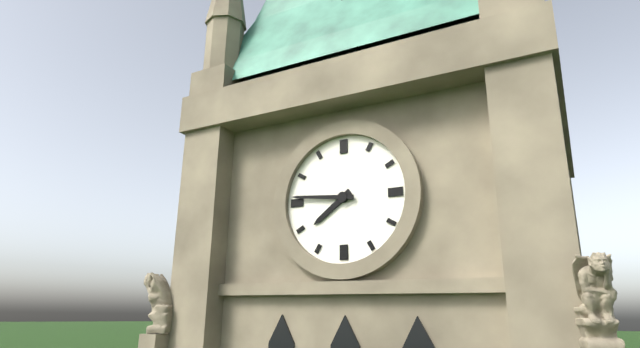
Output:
7.46
